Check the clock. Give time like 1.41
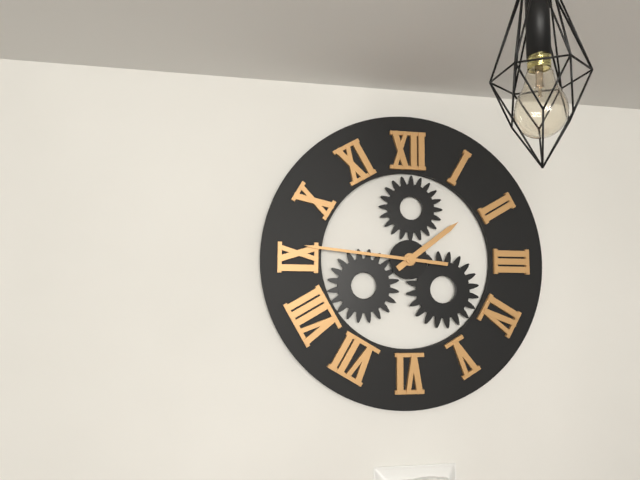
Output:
1.46
